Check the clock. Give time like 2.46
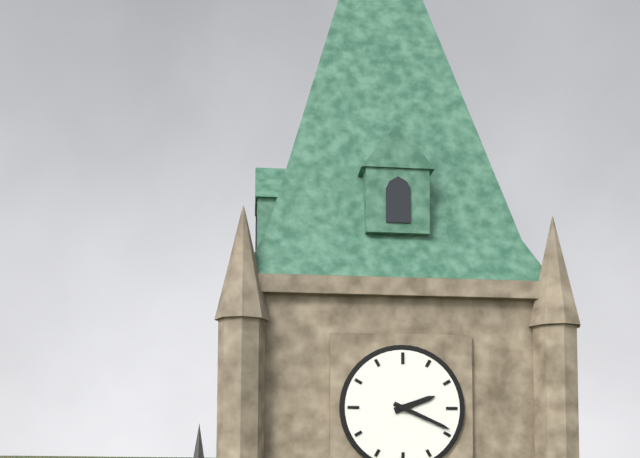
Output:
2.19
